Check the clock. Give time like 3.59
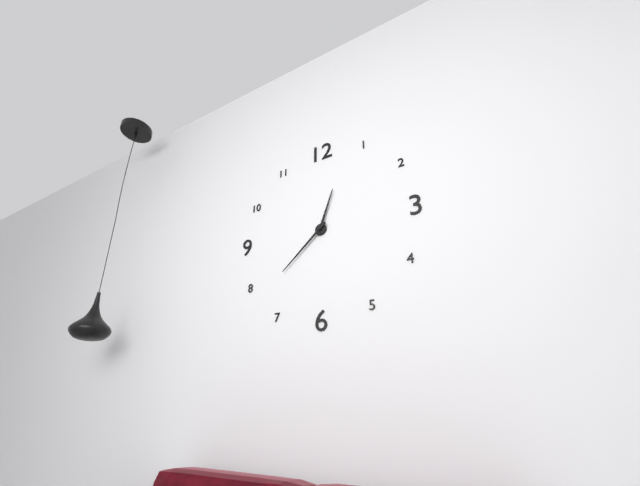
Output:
12.38
